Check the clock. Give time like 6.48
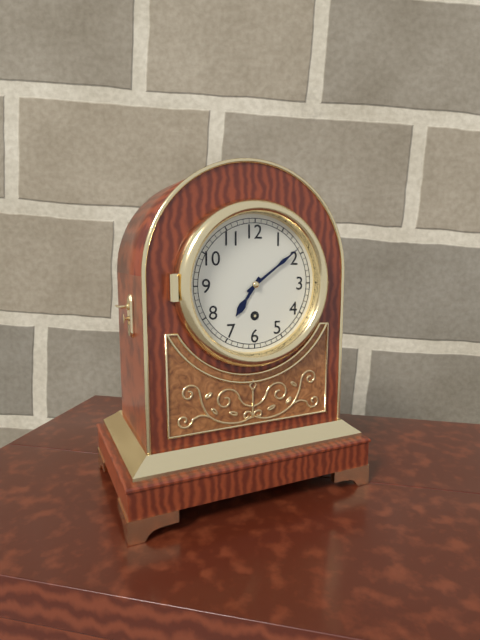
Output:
7.09
